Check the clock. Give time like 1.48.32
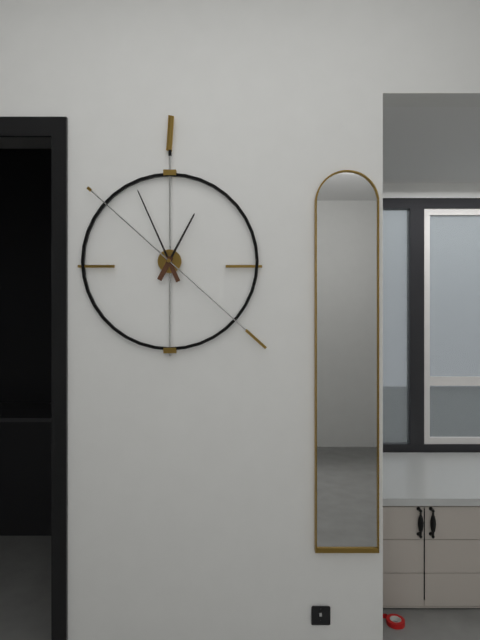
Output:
12.56.22
